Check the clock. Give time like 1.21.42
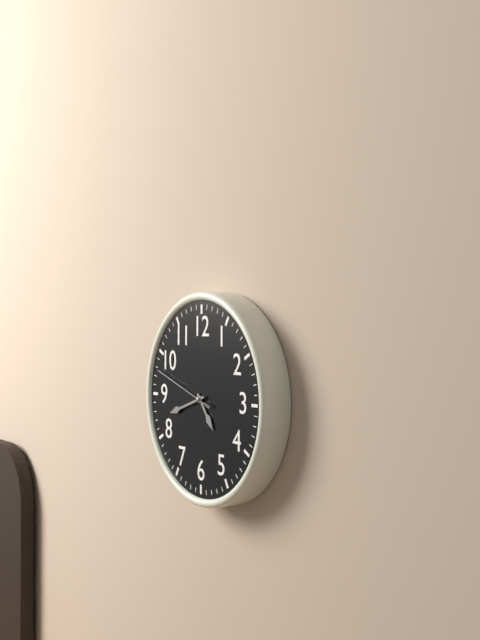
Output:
4.42.48
